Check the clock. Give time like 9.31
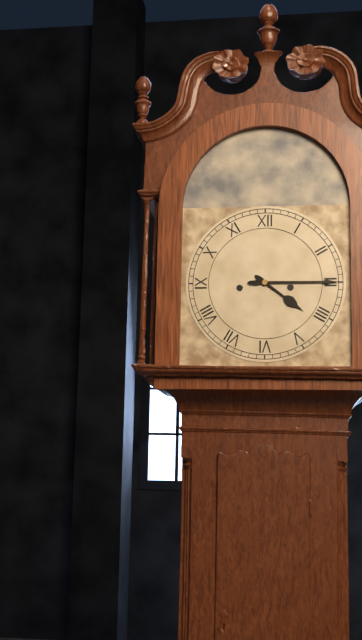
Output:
4.15
